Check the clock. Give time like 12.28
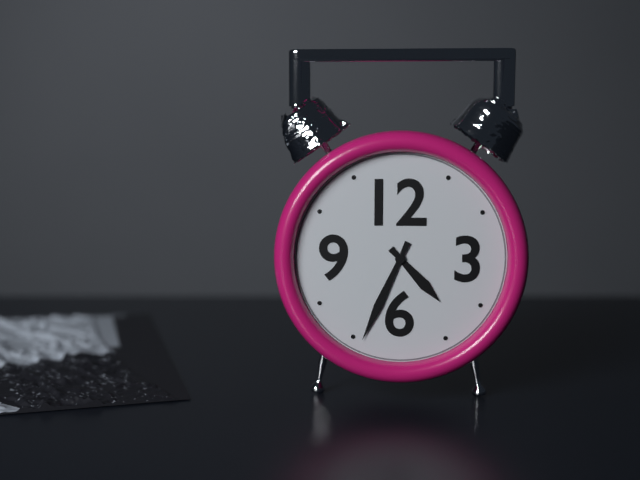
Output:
4.34
